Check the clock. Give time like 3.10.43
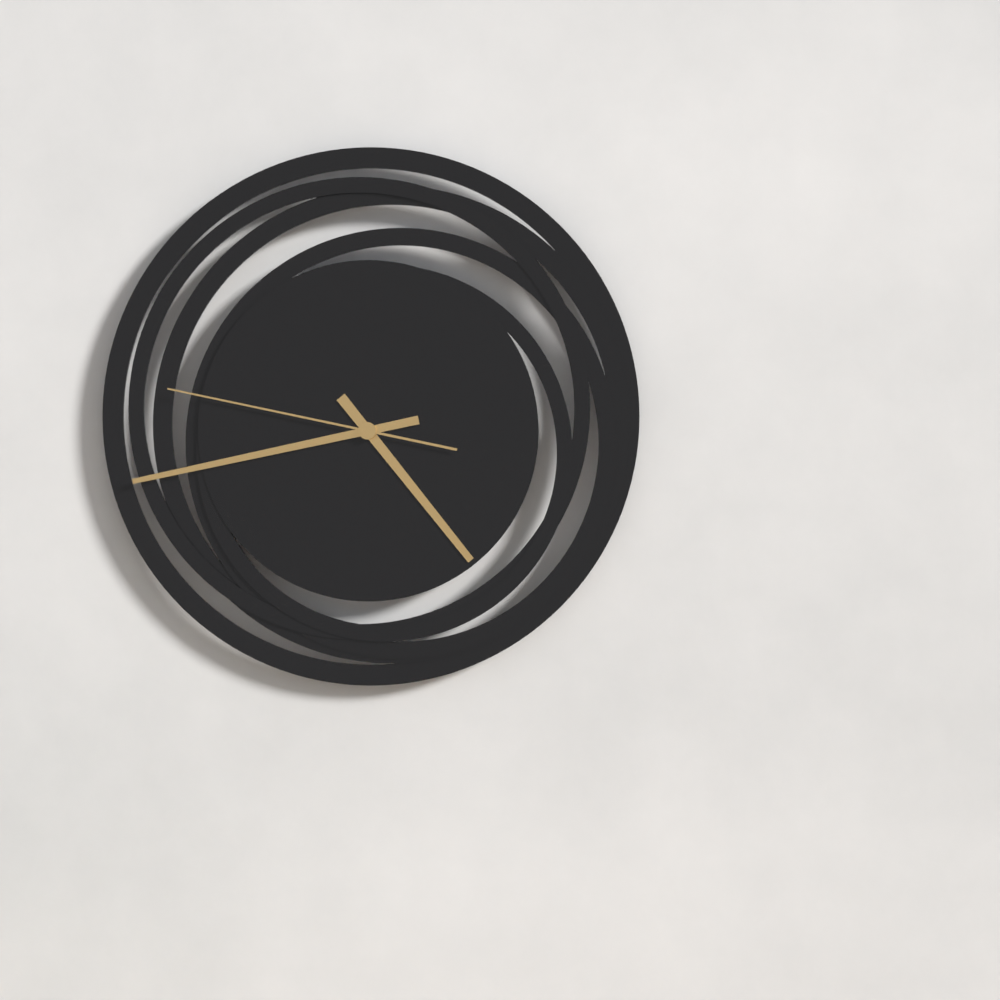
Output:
4.43.47
